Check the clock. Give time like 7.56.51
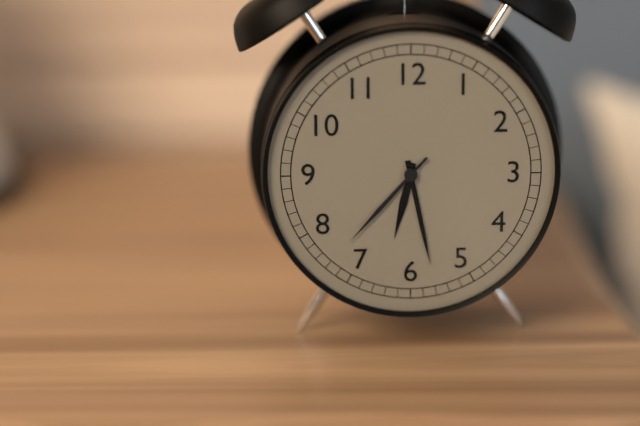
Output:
6.28.37
